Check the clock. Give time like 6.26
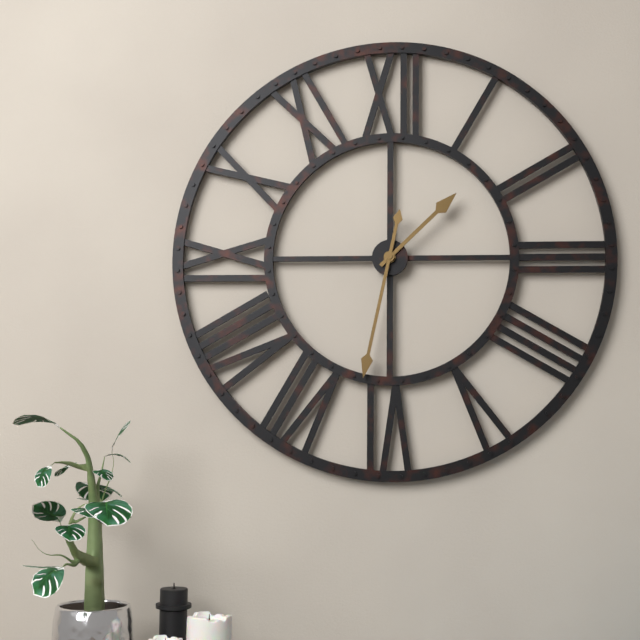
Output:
1.32
